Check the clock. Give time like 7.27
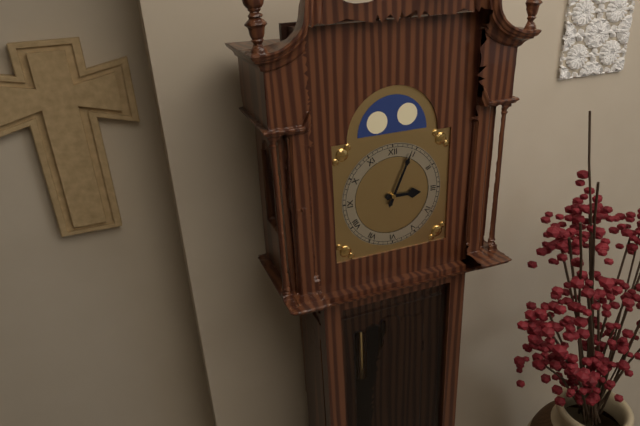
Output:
3.04
